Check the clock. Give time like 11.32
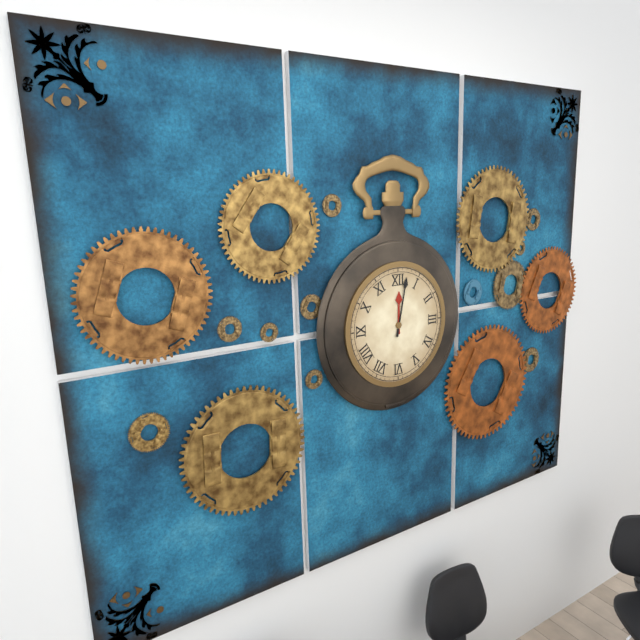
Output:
12.02
